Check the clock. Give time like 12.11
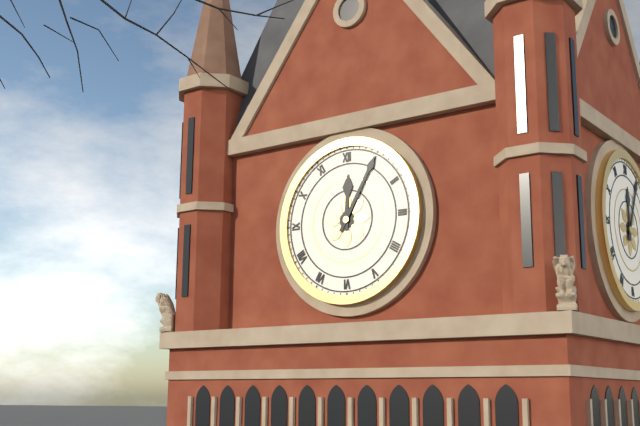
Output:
12.05
